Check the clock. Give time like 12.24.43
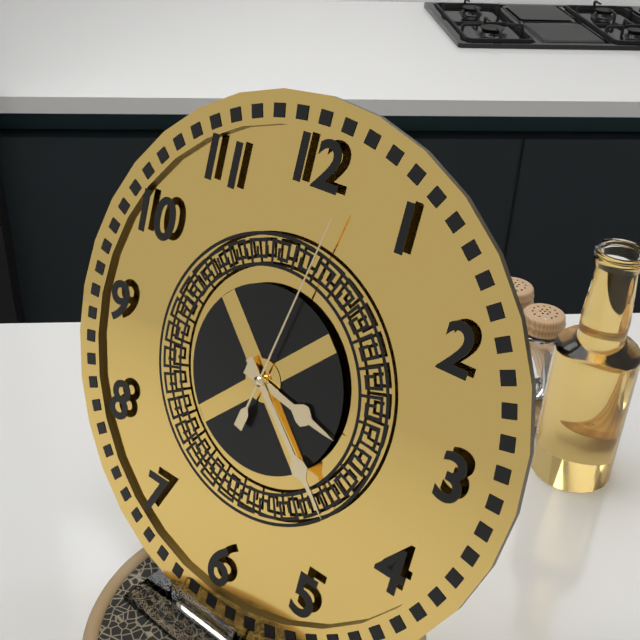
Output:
3.22.02
